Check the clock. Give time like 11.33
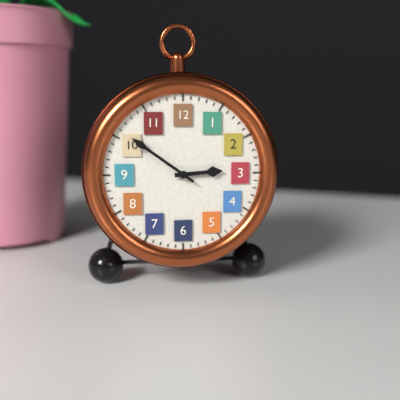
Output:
2.51
